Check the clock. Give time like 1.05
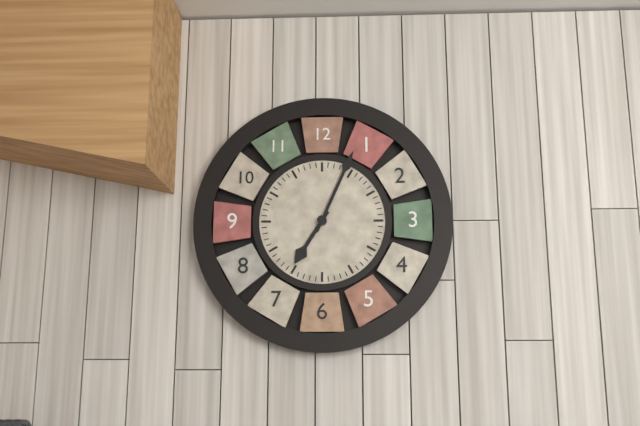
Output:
7.04
